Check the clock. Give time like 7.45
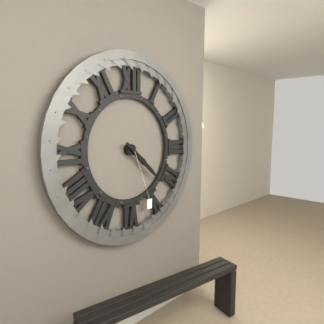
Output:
4.22
